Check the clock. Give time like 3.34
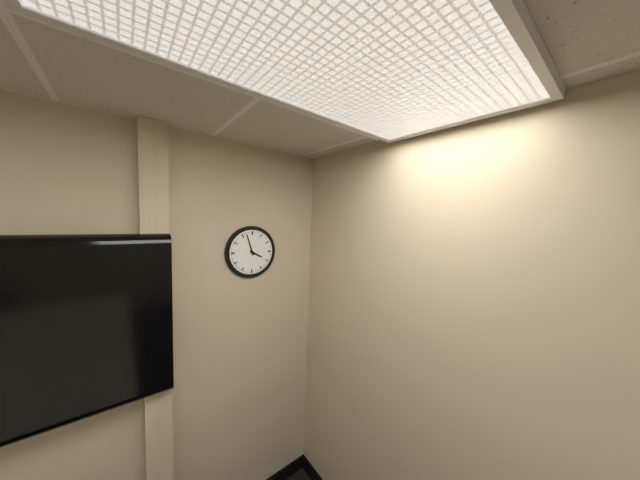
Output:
3.57
